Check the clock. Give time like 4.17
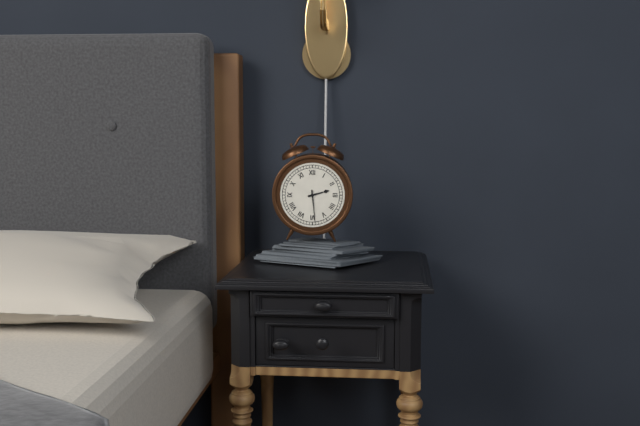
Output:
2.29
